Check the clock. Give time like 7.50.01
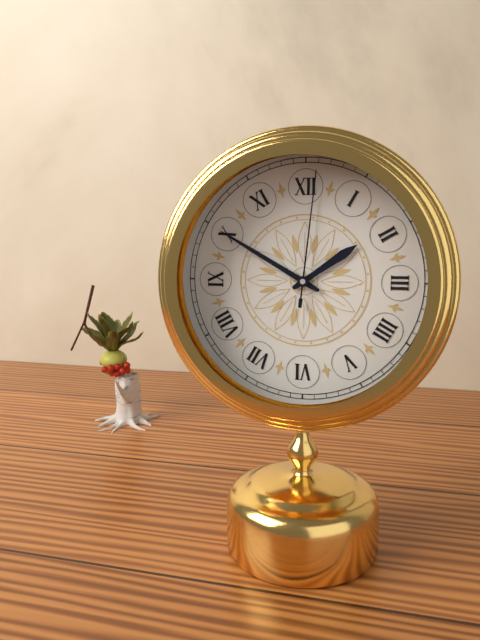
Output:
1.50.01
